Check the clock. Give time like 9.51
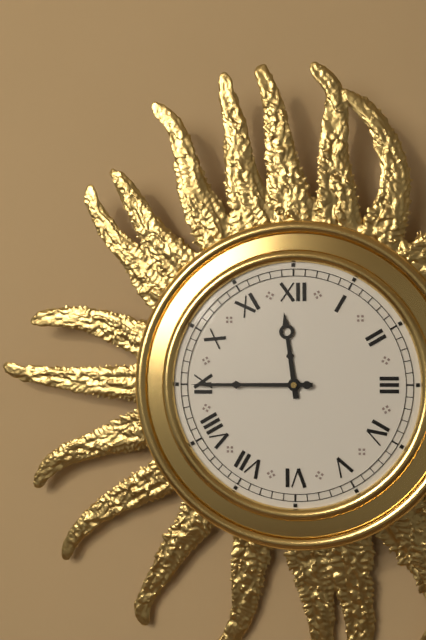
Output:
11.45
